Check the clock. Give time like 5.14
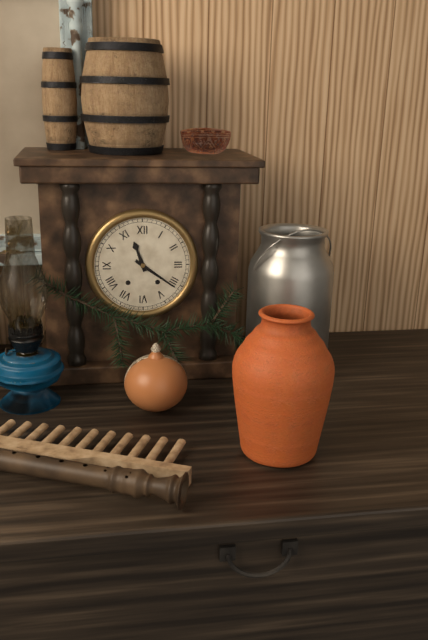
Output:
11.21
